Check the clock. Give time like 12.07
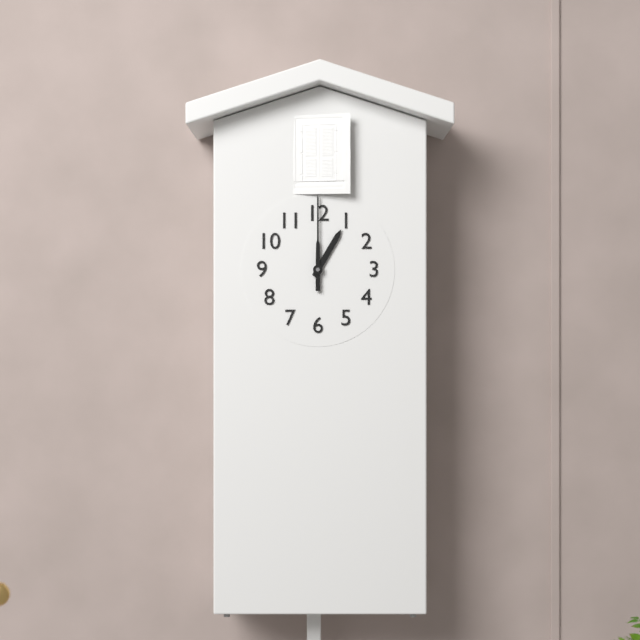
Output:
1.00
